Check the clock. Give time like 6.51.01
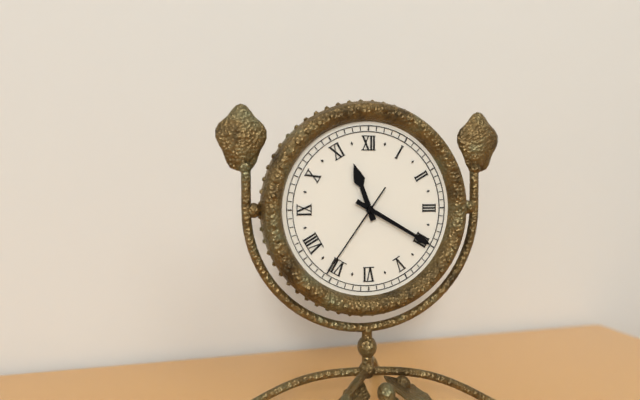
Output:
11.20.36
